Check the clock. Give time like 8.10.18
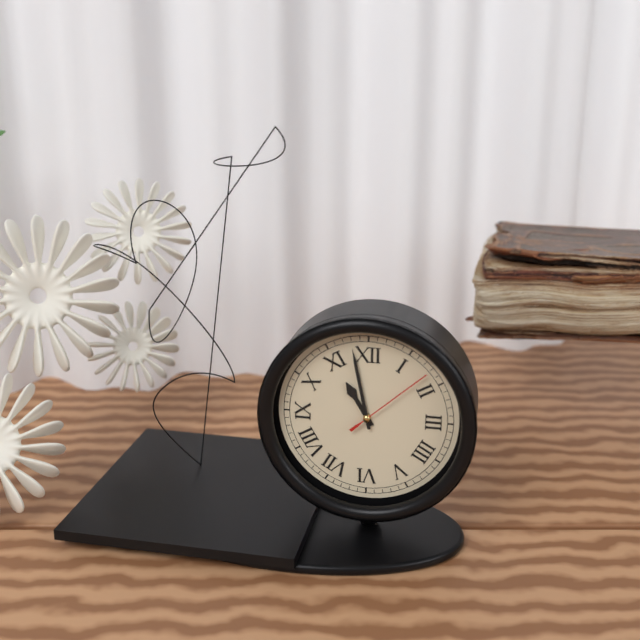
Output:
10.58.08
